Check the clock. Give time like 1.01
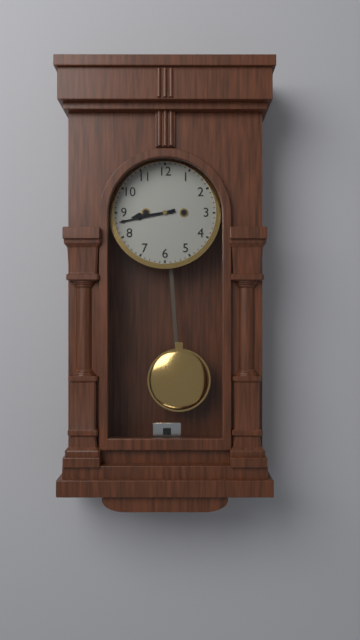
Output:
8.43
